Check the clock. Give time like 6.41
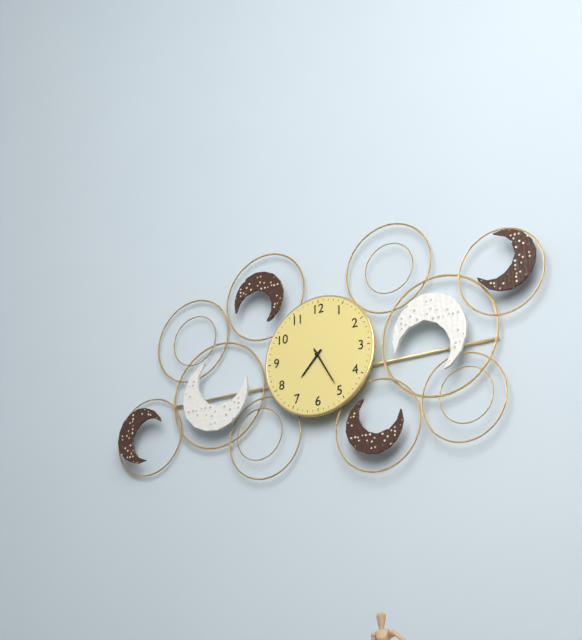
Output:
7.25
